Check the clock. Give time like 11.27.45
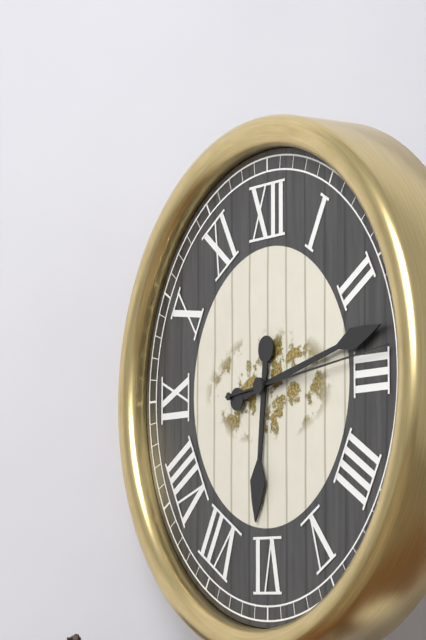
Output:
6.13.14
